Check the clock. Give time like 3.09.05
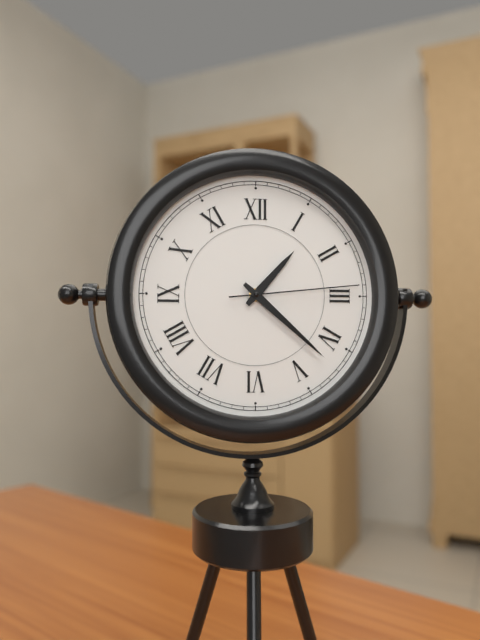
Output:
1.22.14
